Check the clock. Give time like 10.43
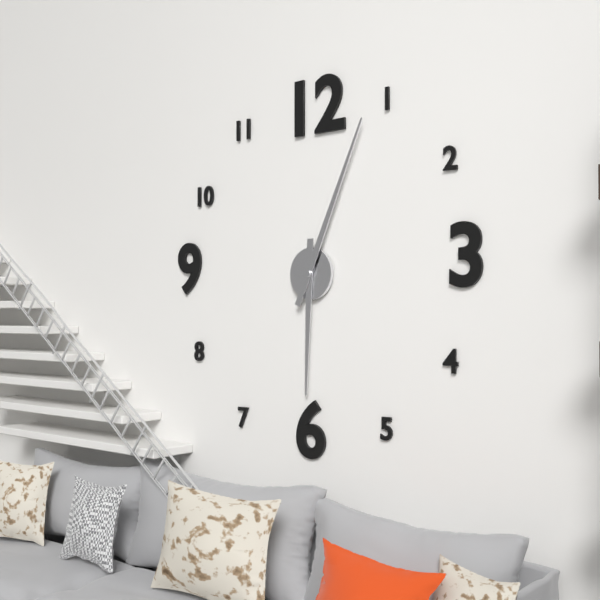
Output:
6.04
